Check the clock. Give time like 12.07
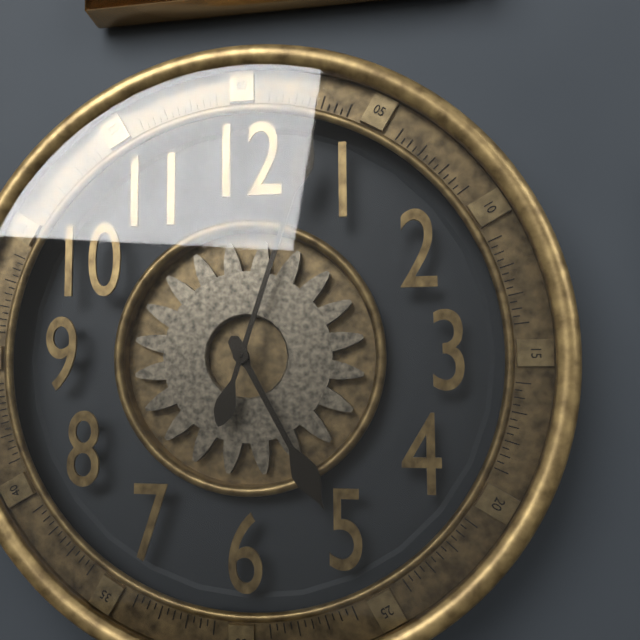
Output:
5.03
